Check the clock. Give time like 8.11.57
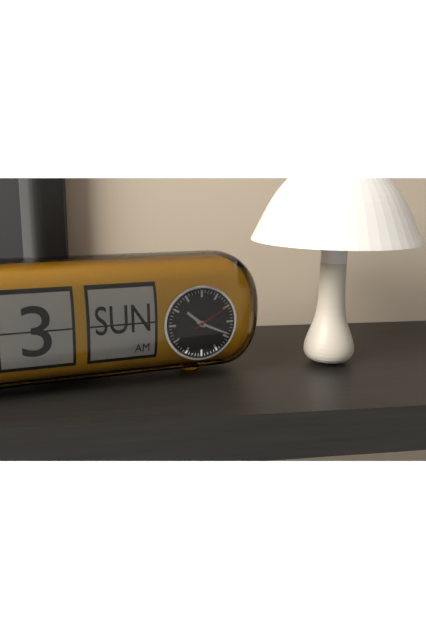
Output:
10.19.10
